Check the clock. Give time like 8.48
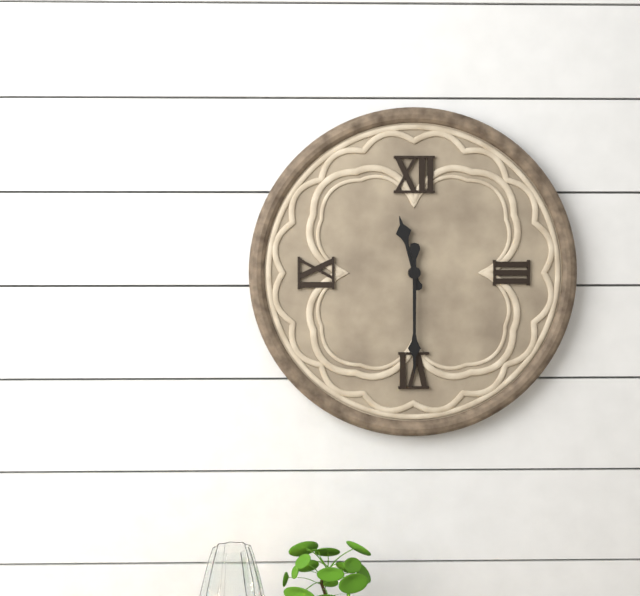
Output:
11.30
